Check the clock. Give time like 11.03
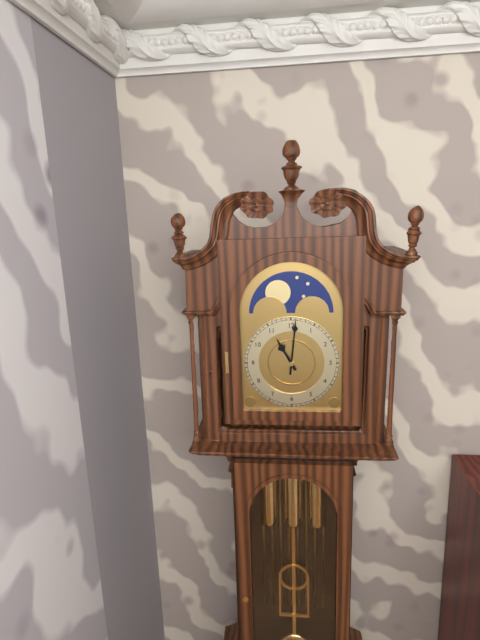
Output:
11.01
